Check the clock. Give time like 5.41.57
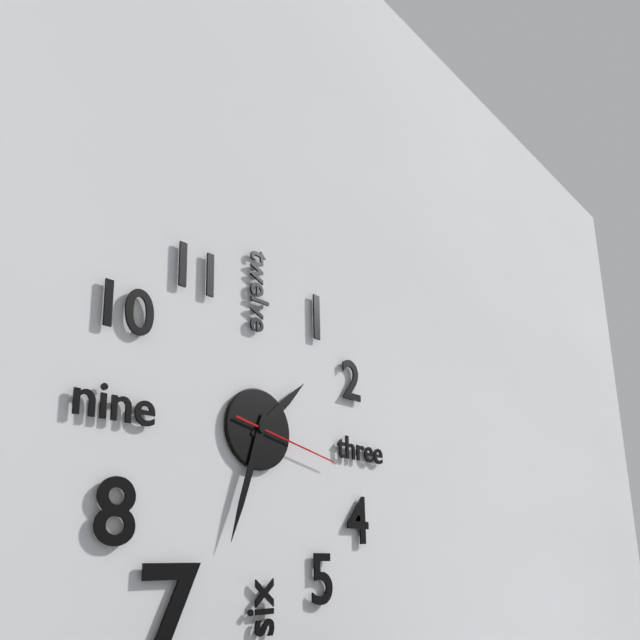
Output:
1.33.17
